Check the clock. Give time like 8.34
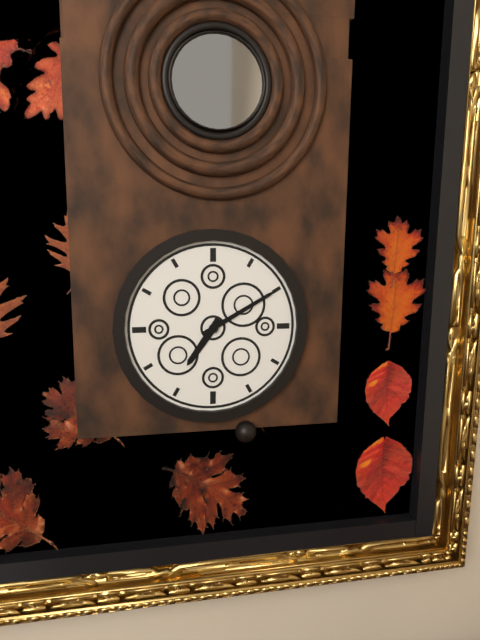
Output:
7.10
